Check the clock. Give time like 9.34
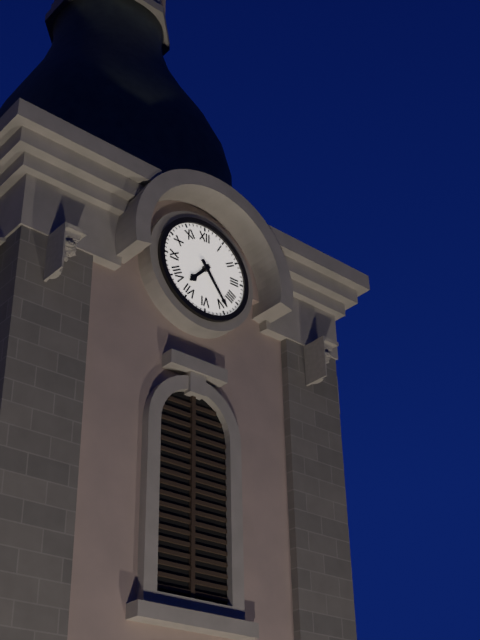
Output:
7.24
